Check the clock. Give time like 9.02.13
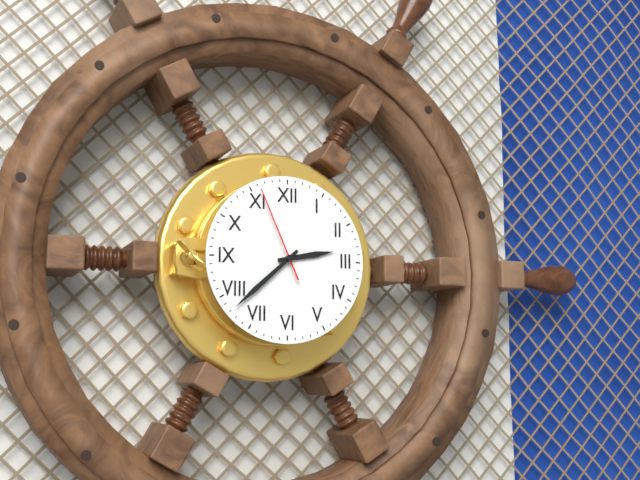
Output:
2.38.56
